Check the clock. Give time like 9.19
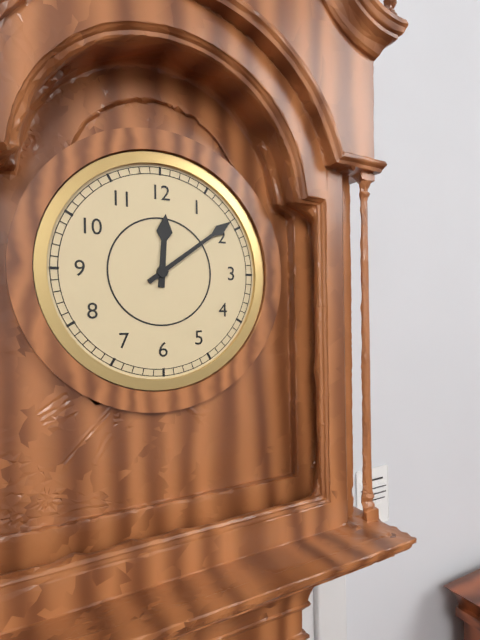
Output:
12.09
